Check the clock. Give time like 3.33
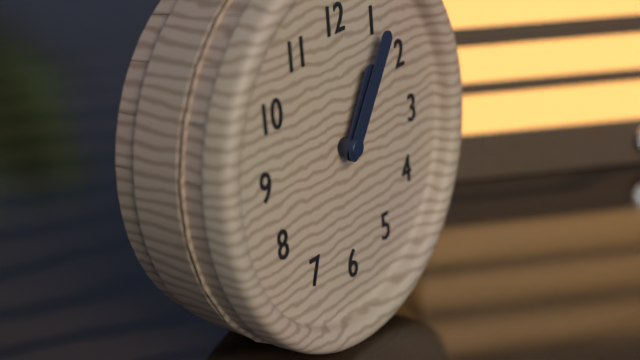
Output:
1.06
